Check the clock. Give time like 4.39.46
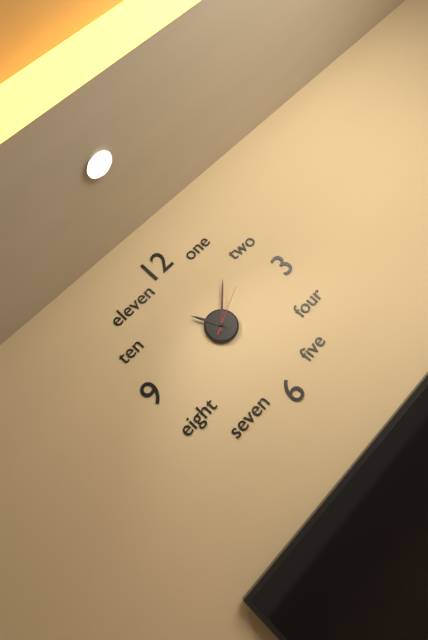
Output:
11.08.11
